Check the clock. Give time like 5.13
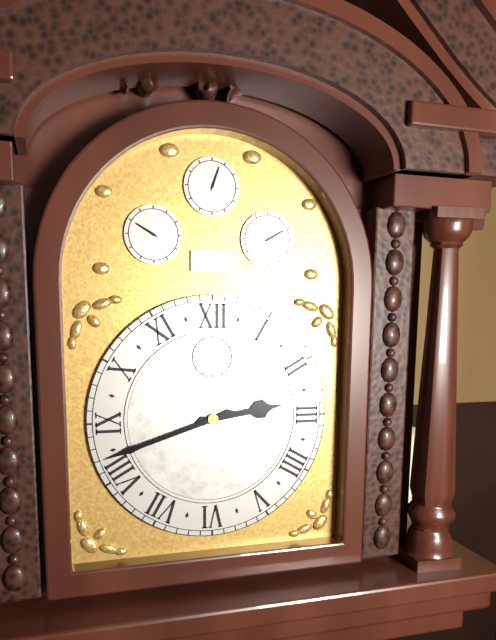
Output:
2.42
